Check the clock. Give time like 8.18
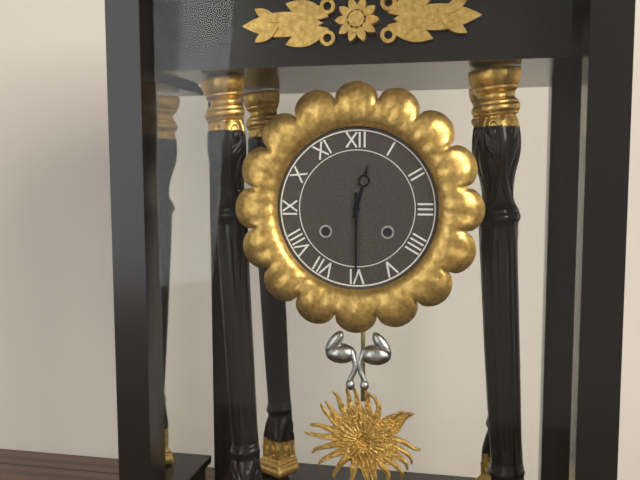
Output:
12.30
